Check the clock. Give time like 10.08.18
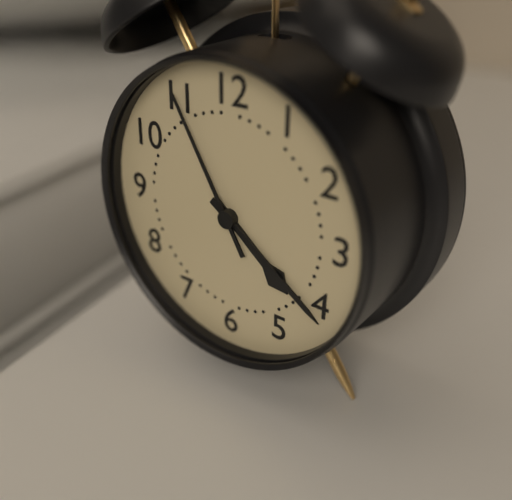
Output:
4.21.55
